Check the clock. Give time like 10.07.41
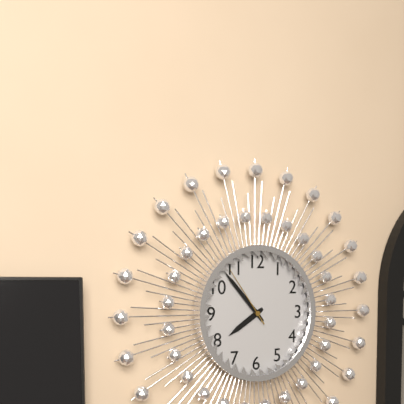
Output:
7.53.54
